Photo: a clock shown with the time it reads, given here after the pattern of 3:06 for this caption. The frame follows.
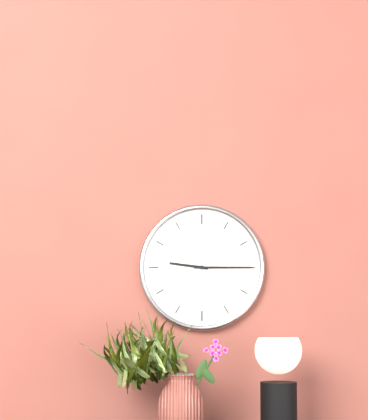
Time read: 9:15
